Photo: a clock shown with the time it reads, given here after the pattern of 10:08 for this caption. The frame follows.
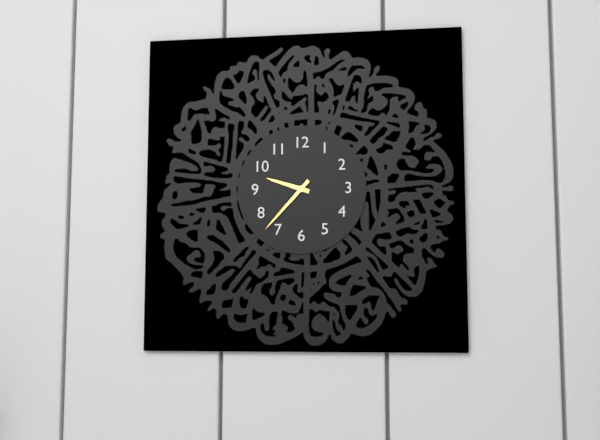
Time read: 9:37
